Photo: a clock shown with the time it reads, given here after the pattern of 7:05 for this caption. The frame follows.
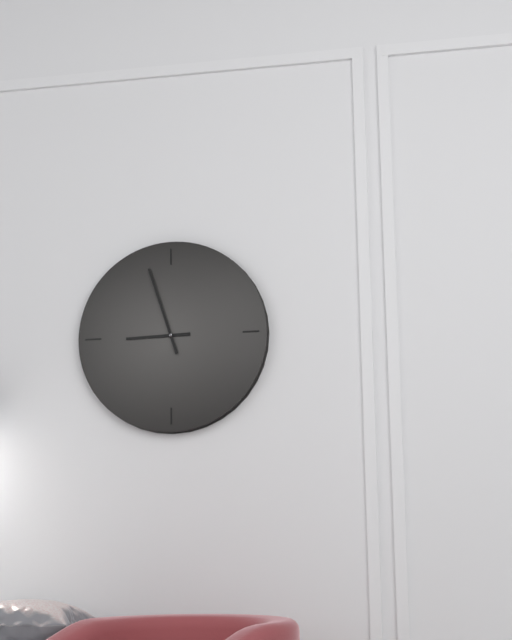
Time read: 8:57
